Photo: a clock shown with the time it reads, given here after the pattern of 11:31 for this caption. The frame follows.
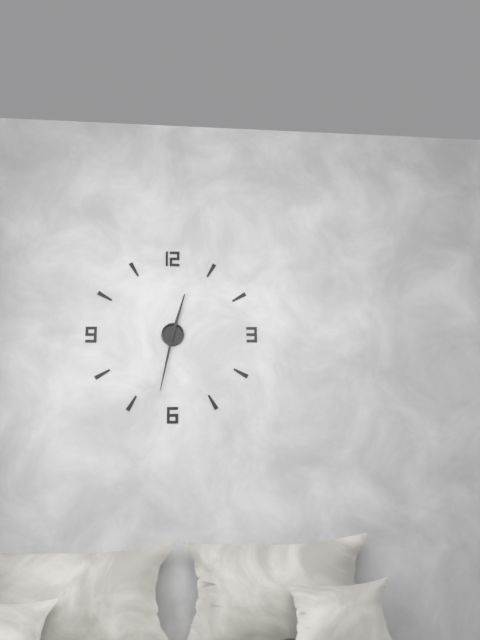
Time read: 12:32
